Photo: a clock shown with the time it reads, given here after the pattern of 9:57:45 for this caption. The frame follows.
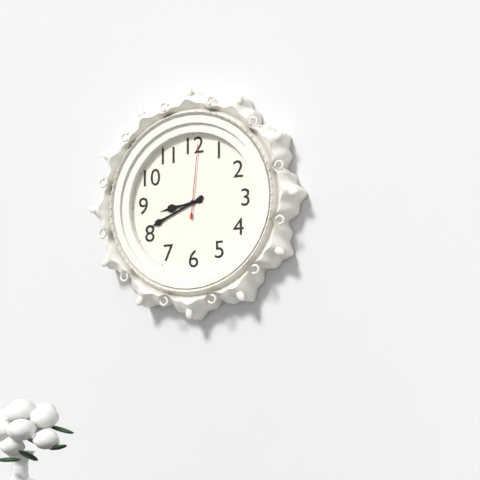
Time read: 8:41:01
